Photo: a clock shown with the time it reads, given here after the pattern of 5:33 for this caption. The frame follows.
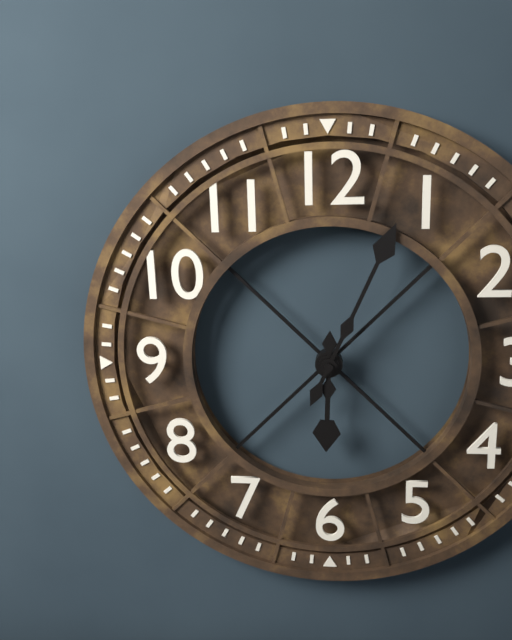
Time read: 6:04
